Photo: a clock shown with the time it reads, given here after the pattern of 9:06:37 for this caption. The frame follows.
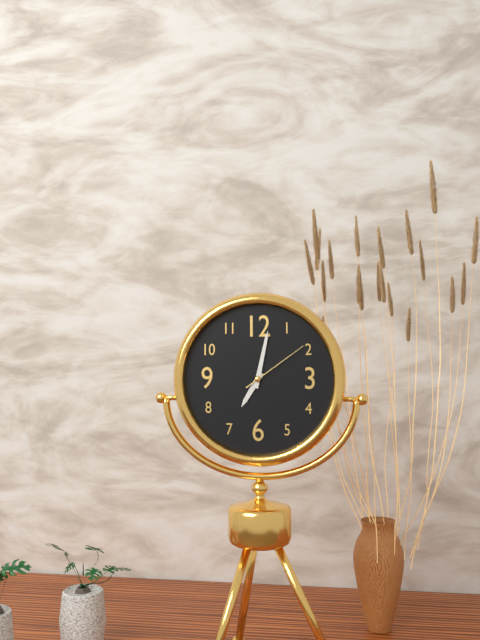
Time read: 7:02:09
